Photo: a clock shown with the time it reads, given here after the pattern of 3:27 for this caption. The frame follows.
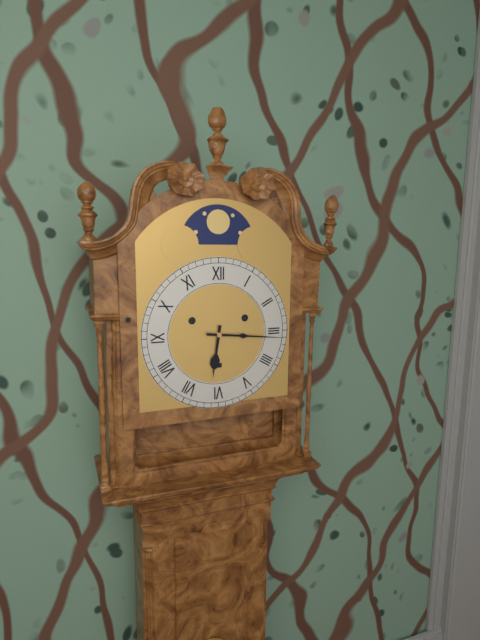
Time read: 6:16
